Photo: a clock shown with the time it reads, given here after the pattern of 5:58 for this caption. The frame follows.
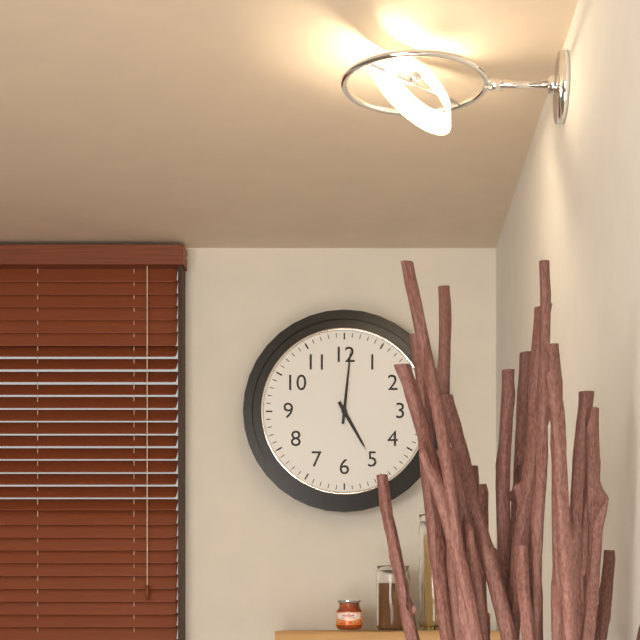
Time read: 5:01
